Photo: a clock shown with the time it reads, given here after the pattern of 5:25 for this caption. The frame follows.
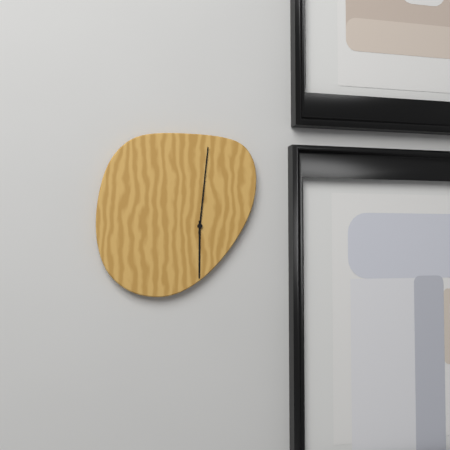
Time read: 6:01
